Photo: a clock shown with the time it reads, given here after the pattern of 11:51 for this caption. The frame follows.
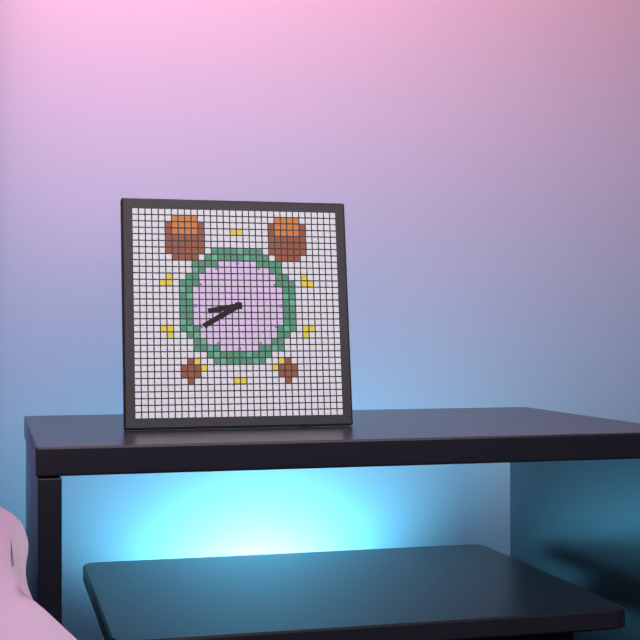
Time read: 8:40
